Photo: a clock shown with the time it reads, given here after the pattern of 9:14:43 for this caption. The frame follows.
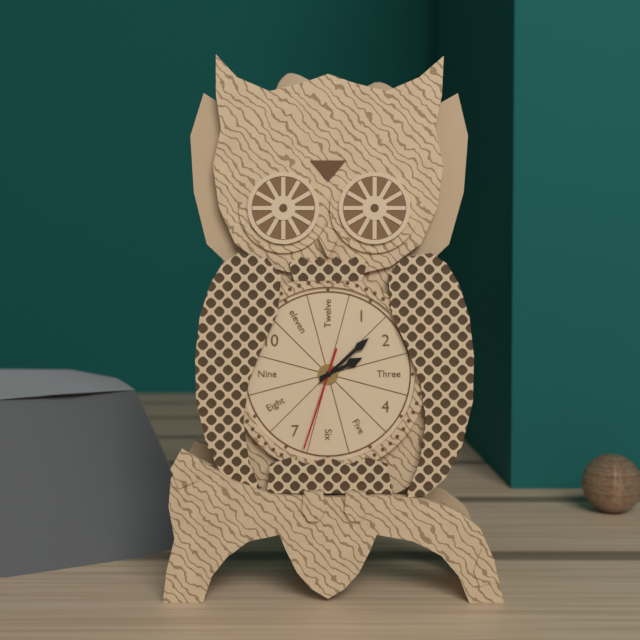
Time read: 2:08:33
